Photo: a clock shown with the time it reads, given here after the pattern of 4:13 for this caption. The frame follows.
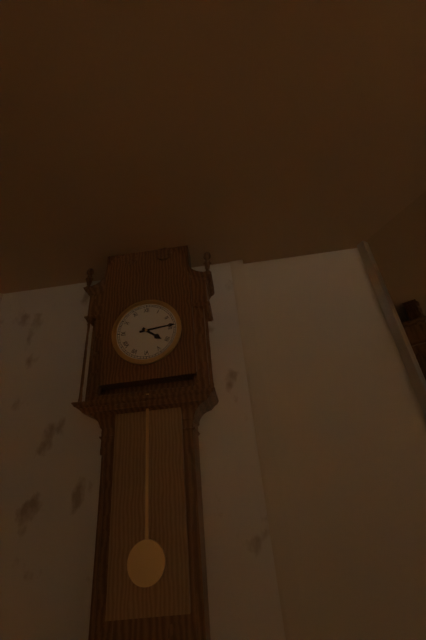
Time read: 4:14
